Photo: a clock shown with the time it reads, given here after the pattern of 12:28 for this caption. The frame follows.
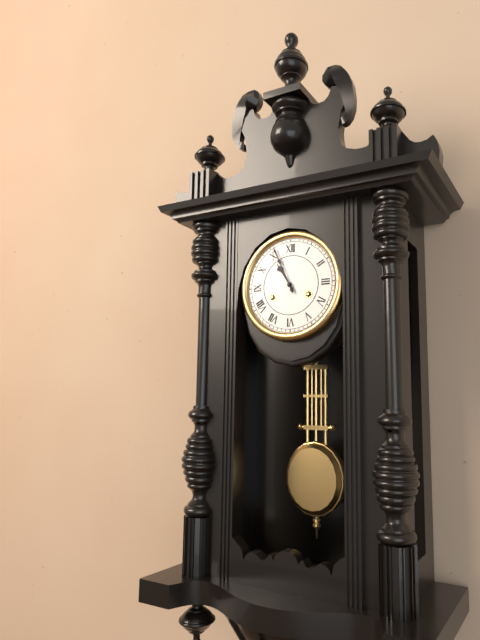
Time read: 10:56
